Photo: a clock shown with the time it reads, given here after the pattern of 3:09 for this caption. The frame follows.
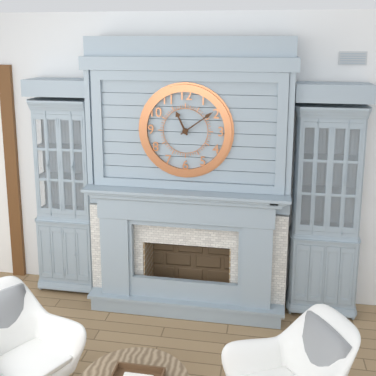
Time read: 11:09
